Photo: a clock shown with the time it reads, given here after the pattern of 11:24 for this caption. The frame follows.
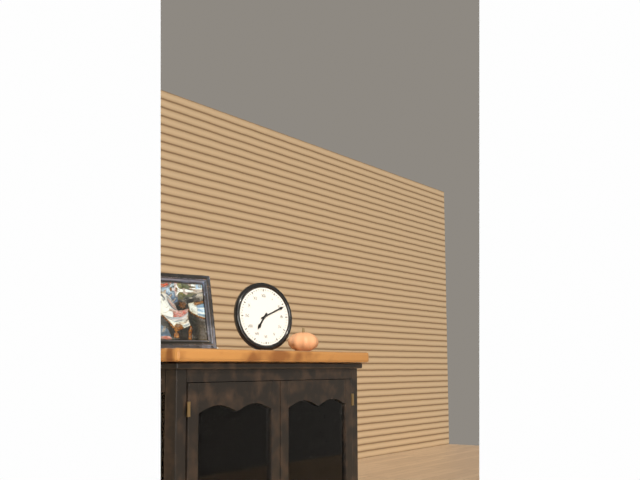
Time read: 7:11
